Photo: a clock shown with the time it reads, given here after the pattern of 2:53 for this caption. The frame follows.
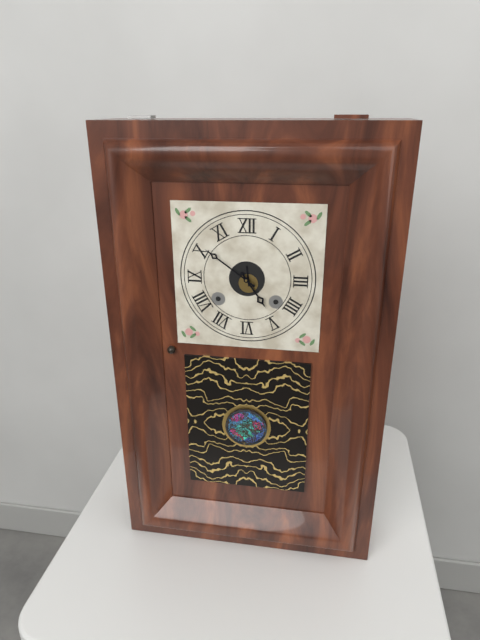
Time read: 4:51
